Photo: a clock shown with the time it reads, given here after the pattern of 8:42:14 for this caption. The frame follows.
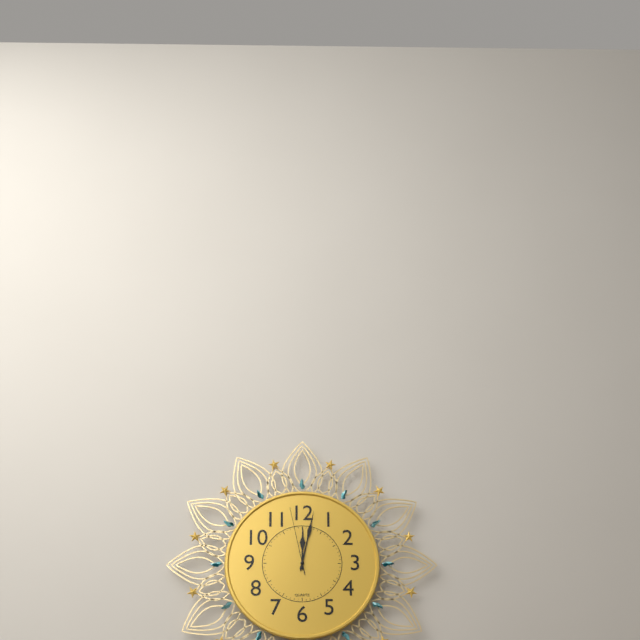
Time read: 12:02:58
